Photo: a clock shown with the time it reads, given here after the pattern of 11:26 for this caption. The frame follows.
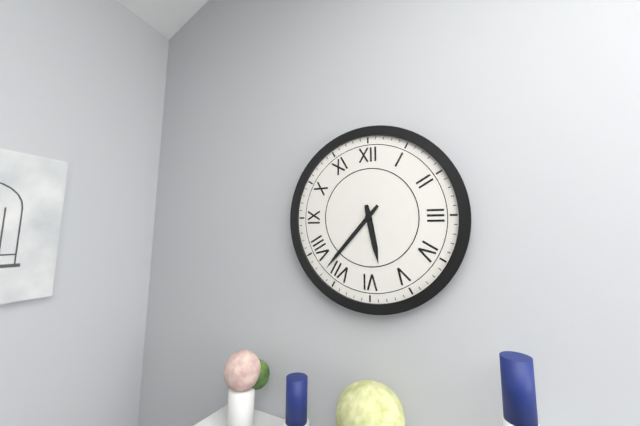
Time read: 5:37
